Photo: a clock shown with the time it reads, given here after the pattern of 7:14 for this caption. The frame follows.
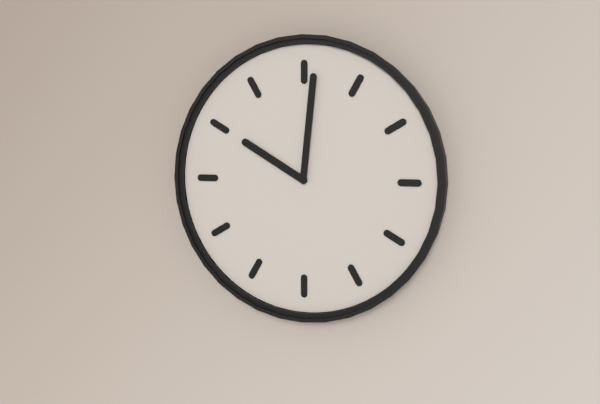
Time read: 10:01
